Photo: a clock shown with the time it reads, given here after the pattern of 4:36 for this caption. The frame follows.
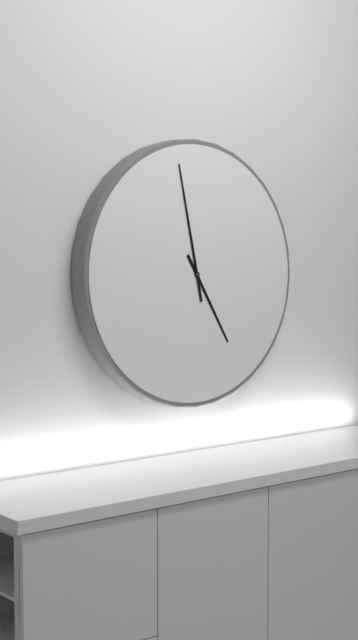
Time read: 4:58
